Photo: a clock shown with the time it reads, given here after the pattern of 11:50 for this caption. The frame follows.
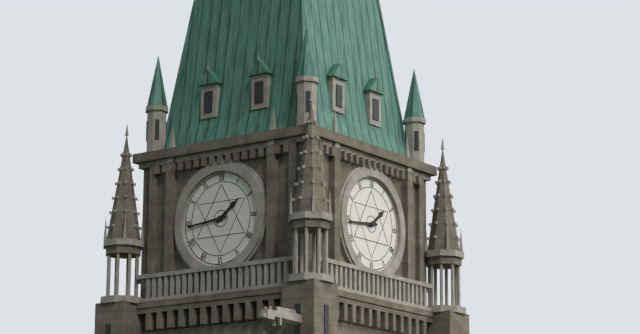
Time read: 1:44
